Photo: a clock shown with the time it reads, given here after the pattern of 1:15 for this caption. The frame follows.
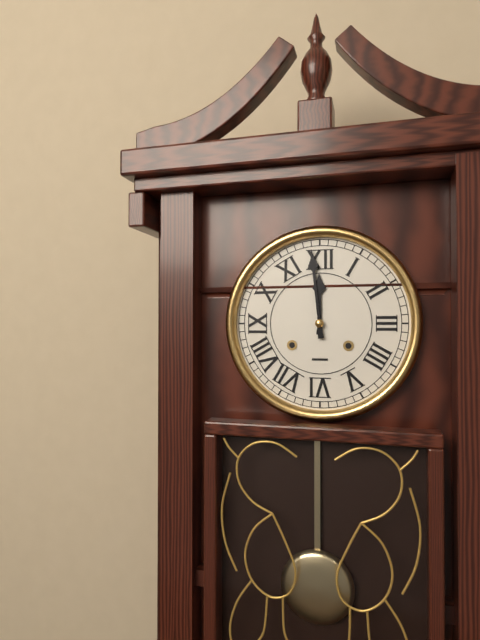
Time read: 11:59
